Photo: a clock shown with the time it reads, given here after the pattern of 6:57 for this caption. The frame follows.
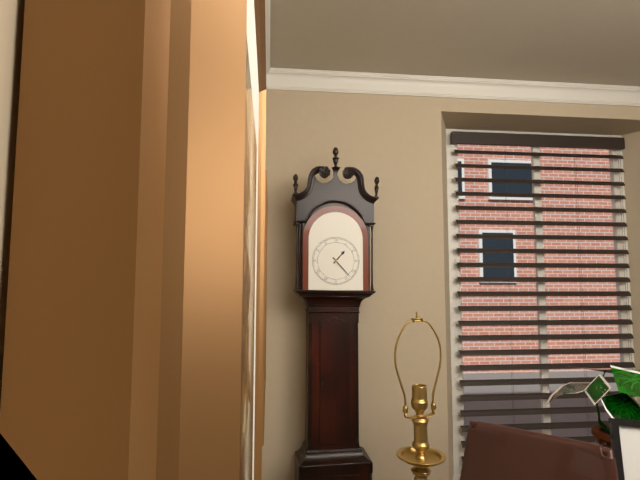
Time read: 1:23
